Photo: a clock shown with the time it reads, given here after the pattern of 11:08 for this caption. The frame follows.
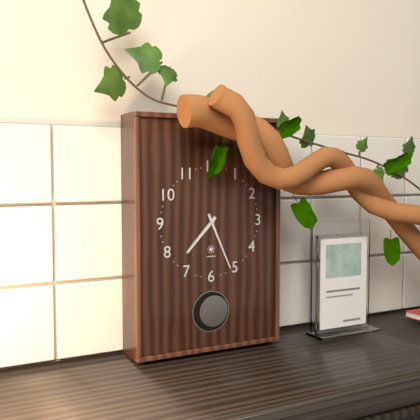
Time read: 7:26
